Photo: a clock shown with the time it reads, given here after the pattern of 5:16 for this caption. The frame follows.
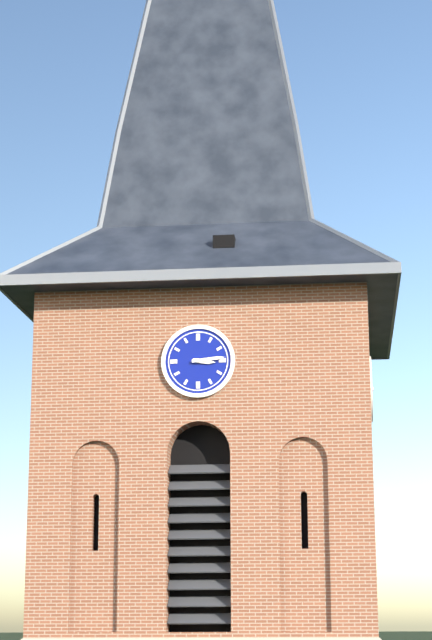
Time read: 3:14
